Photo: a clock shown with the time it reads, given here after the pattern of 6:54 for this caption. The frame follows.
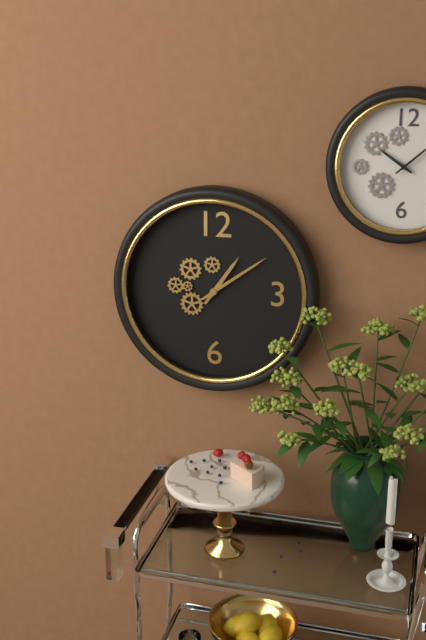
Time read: 1:09
